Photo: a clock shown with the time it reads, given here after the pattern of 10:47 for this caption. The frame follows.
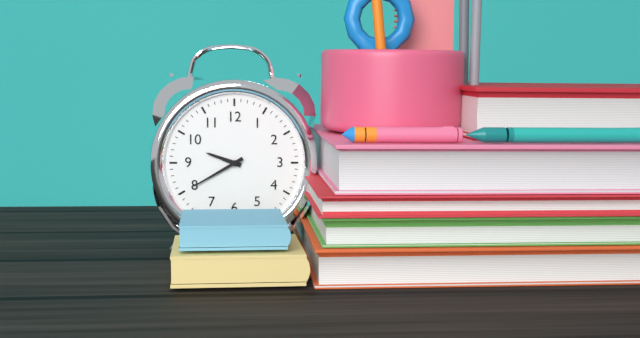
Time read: 9:40
